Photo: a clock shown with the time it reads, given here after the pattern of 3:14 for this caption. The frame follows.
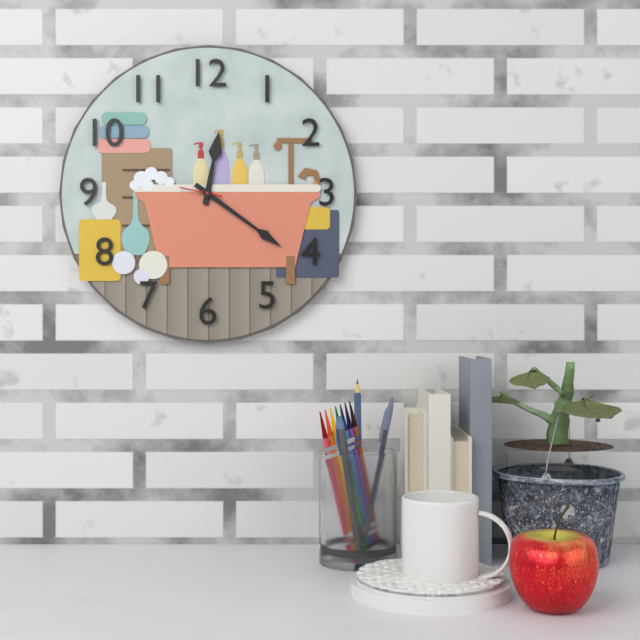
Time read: 12:21
